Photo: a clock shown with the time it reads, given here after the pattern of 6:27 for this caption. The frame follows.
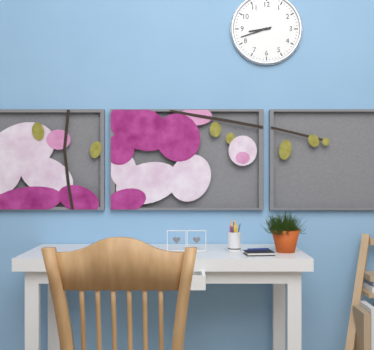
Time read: 8:42
